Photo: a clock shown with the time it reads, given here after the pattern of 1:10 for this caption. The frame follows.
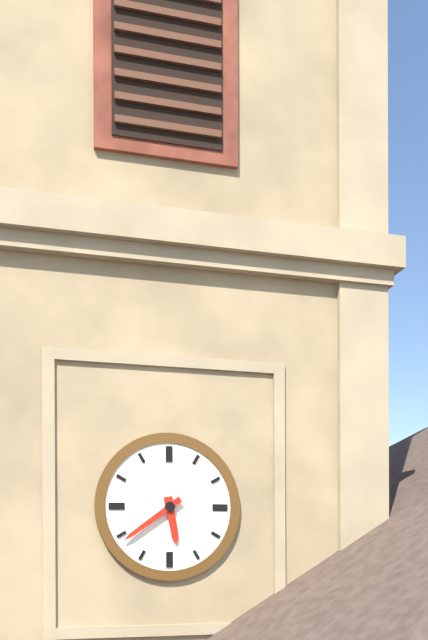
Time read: 5:39
